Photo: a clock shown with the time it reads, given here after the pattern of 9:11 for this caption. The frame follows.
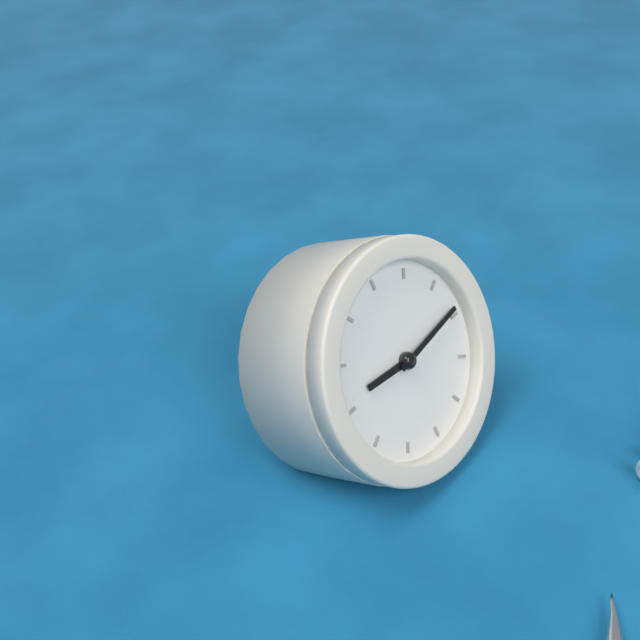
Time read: 9:14
